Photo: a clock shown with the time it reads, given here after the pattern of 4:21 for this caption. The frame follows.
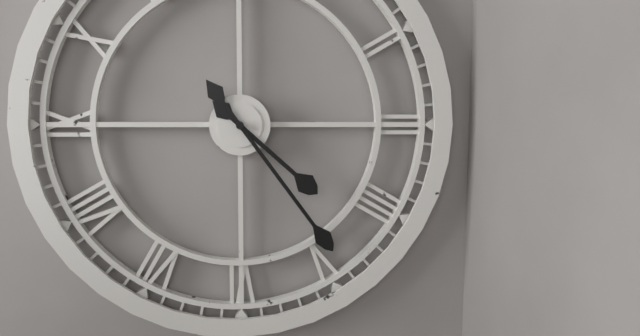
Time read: 4:24
